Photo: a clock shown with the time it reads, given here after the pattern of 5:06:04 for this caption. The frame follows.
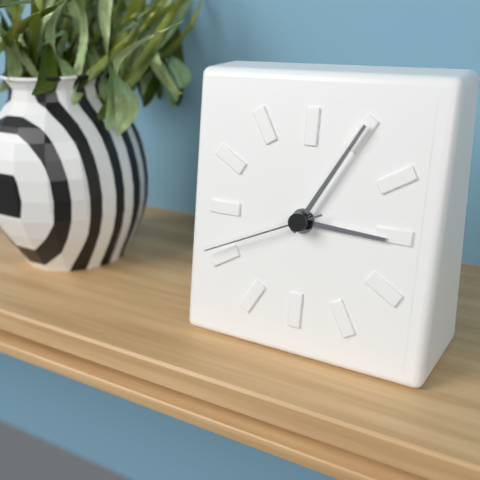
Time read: 3:05:41
